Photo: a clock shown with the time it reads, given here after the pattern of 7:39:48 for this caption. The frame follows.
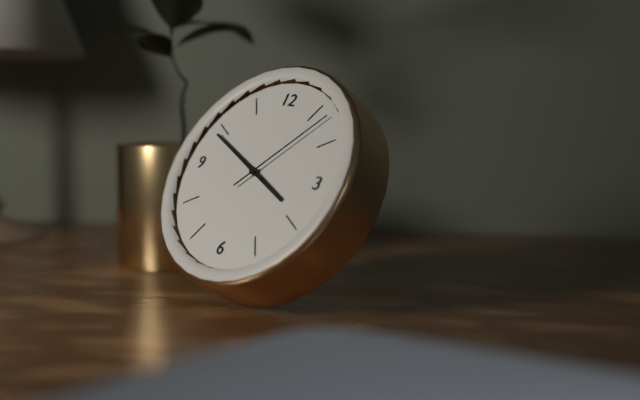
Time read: 3:49:07
